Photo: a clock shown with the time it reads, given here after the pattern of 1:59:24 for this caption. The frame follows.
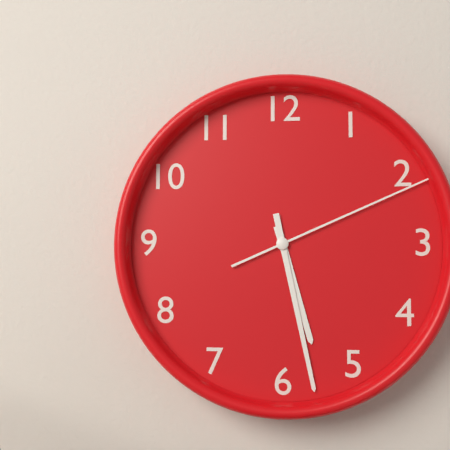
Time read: 5:28:11
